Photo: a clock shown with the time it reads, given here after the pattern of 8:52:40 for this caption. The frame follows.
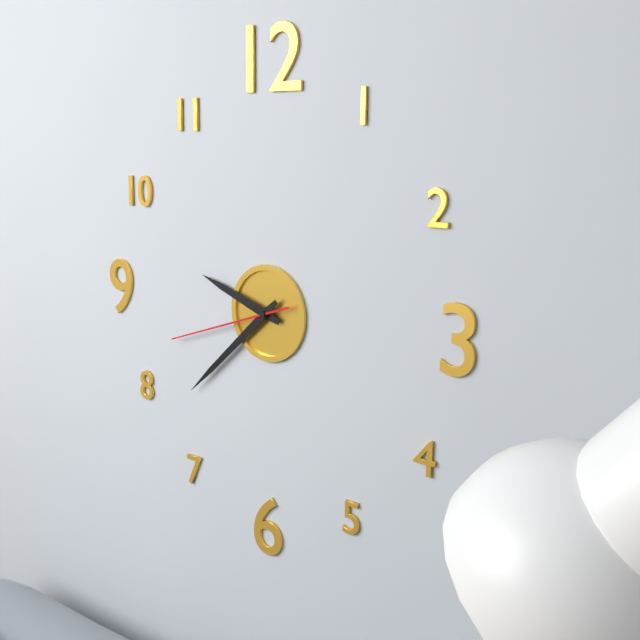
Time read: 9:38:42
